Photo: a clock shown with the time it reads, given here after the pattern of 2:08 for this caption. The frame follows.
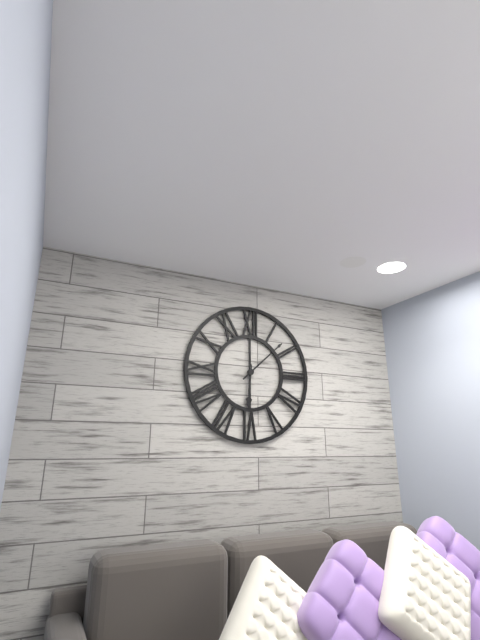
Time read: 6:08
